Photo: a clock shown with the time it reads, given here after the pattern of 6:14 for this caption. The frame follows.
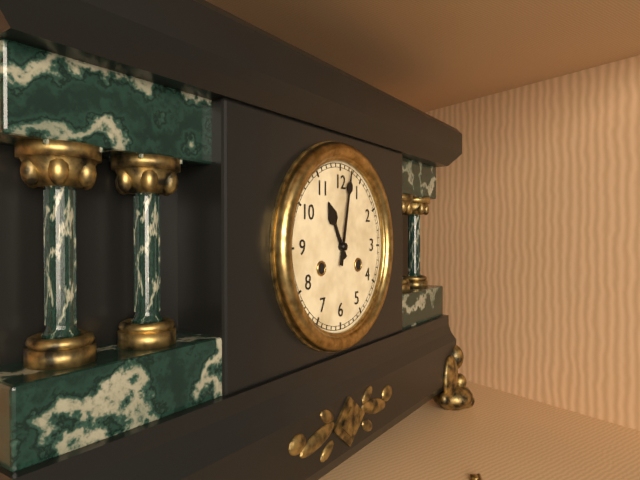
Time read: 11:02
